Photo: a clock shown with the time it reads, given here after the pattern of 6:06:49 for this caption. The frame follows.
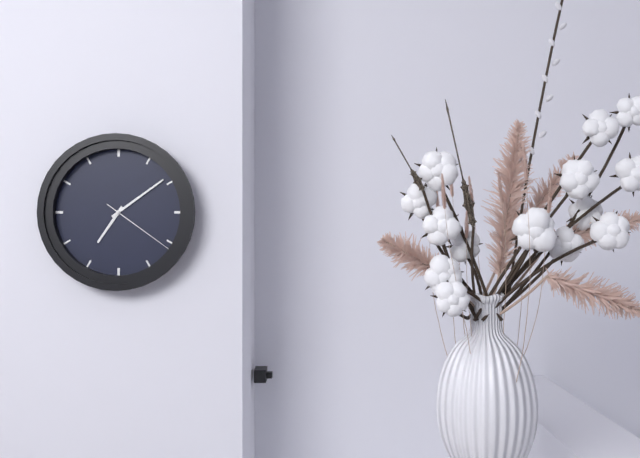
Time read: 7:09:21
